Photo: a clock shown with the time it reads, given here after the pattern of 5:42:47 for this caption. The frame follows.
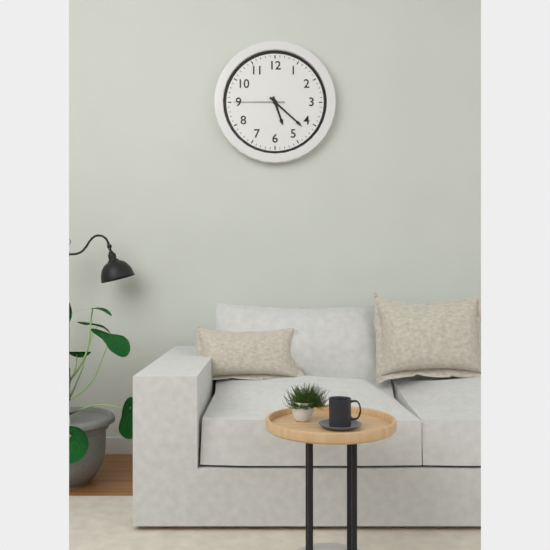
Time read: 5:22:45
